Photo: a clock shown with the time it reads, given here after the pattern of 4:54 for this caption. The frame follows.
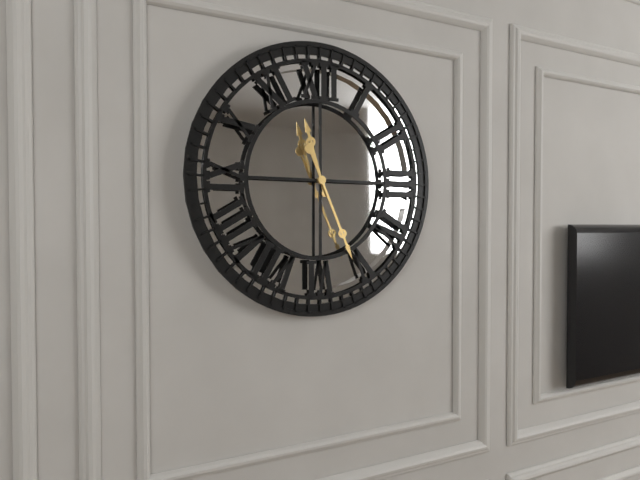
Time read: 11:26
